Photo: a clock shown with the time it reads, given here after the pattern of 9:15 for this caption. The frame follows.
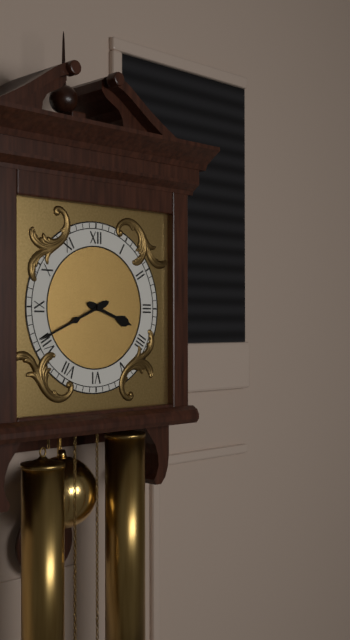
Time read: 3:41
